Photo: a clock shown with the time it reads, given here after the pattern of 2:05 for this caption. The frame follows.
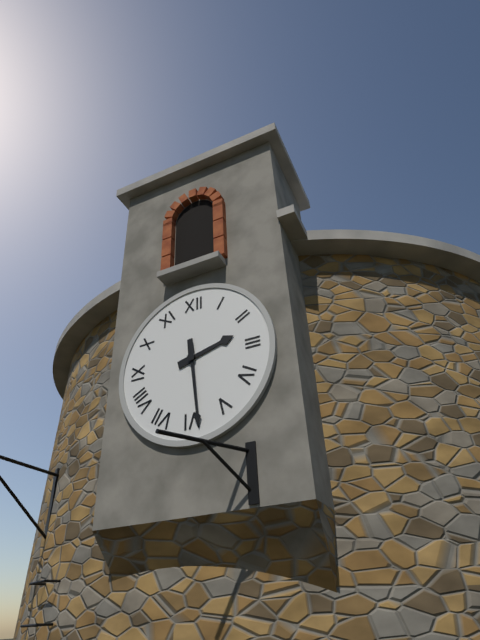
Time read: 2:29
